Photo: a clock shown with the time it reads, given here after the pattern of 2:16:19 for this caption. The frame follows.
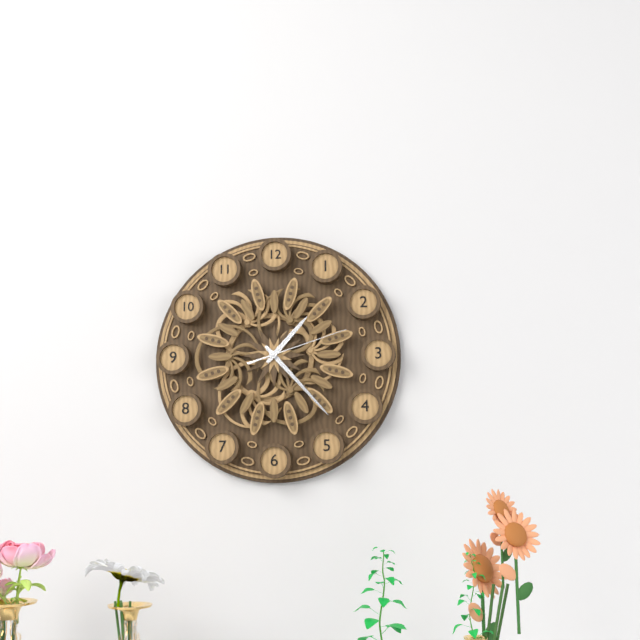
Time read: 1:23:12
